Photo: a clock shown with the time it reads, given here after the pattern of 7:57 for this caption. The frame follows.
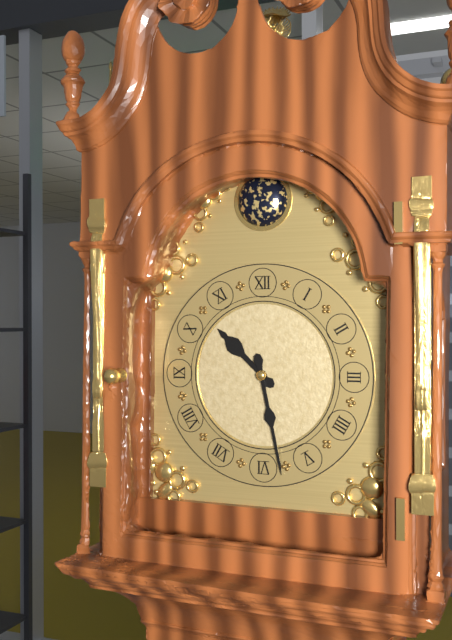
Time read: 10:28
